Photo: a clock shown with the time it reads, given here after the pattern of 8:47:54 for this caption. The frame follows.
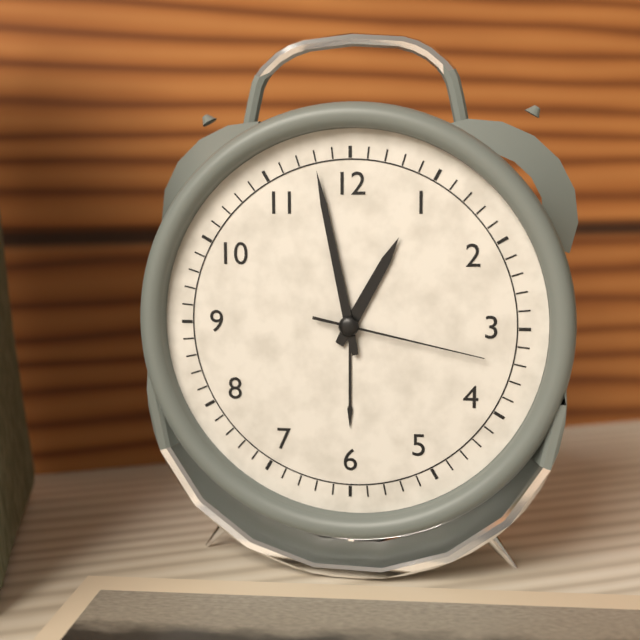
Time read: 12:58:17
